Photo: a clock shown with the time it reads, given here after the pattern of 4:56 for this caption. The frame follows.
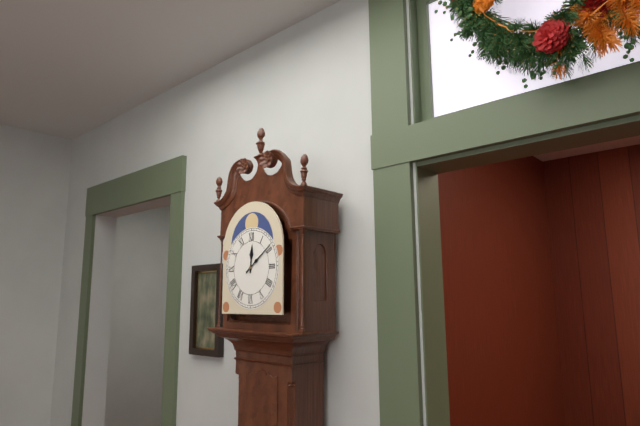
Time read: 12:09
